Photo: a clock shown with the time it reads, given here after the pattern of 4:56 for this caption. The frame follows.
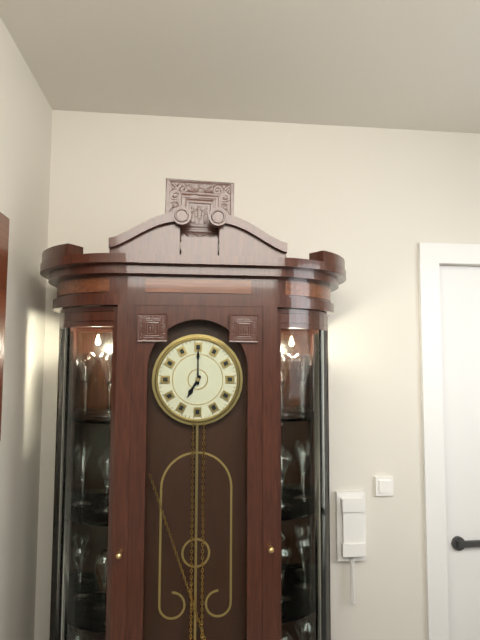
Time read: 7:00
